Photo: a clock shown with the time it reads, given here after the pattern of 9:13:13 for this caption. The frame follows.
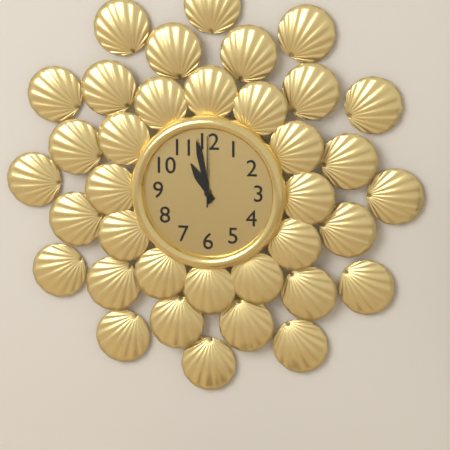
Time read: 10:58:00
